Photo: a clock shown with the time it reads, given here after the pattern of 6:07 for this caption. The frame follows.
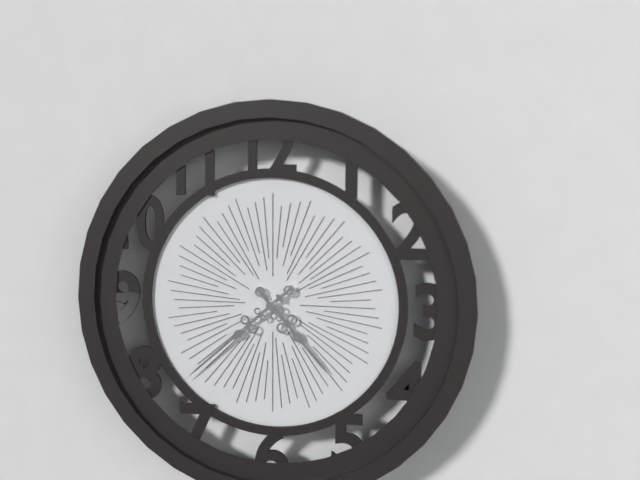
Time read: 4:38
